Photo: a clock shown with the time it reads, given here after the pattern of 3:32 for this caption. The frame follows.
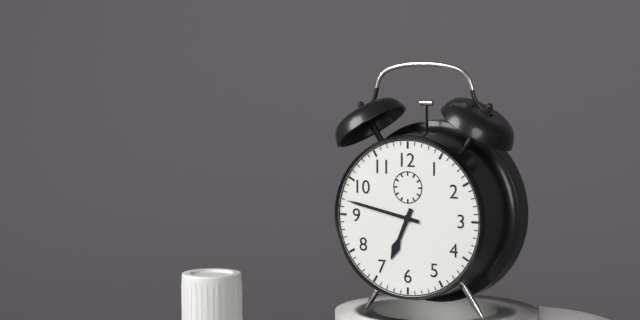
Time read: 6:47
